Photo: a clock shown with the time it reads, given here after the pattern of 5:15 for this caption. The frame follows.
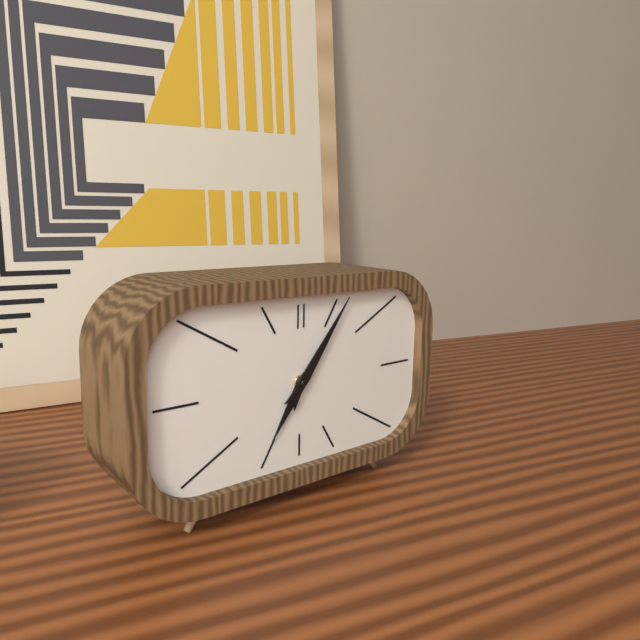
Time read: 7:06
